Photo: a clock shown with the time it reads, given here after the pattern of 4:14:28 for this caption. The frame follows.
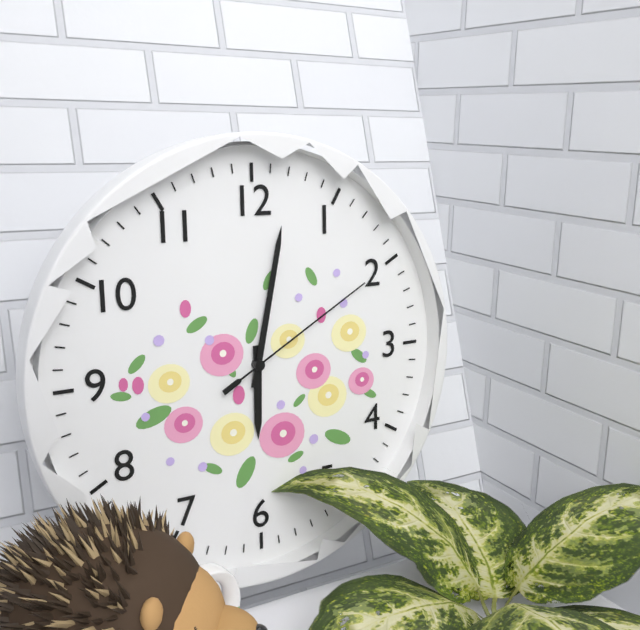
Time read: 6:02:10
